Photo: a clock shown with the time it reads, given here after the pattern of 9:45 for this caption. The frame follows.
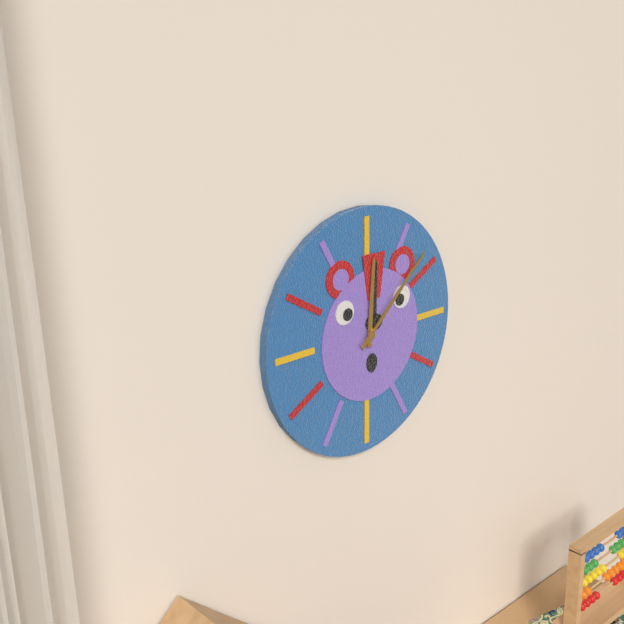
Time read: 12:08
